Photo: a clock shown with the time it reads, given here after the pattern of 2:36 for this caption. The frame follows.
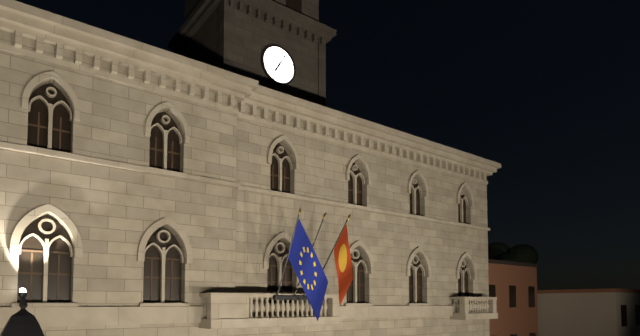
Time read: 7:05
